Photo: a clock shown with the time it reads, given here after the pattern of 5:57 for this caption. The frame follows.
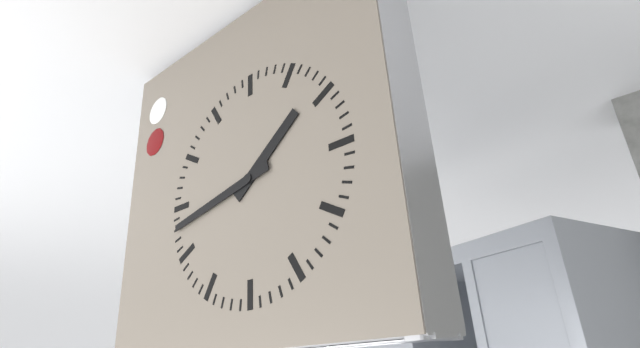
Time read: 1:43
